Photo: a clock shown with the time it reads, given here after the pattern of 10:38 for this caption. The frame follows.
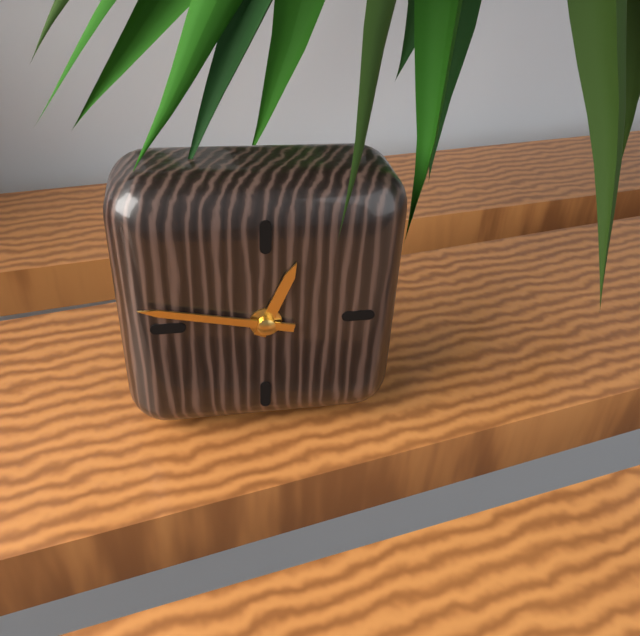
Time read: 12:47
